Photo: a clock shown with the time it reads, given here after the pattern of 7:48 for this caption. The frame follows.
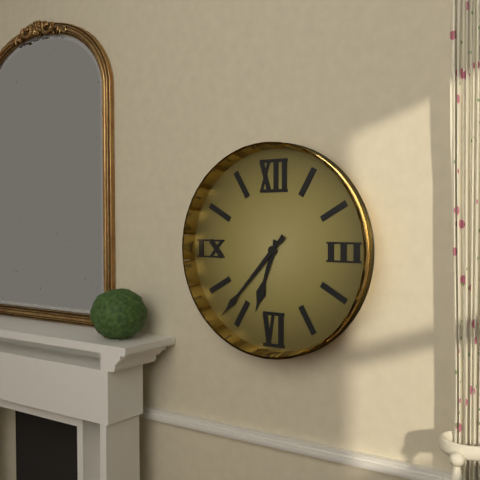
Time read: 6:37
